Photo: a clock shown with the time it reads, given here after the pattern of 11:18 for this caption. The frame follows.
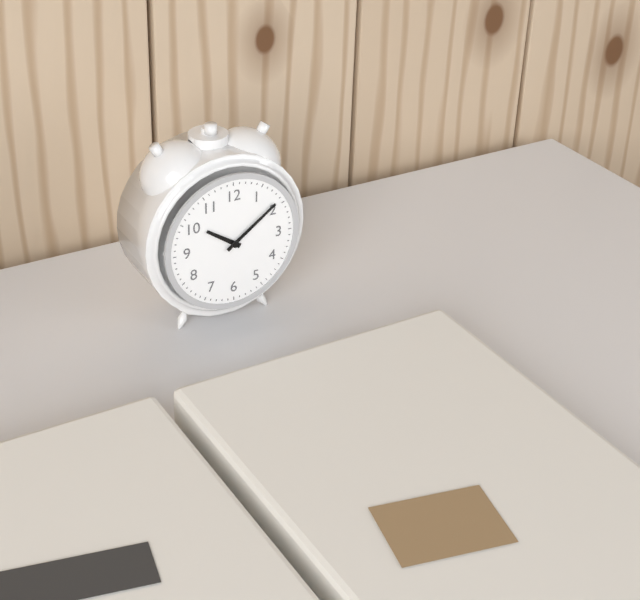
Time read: 10:09
